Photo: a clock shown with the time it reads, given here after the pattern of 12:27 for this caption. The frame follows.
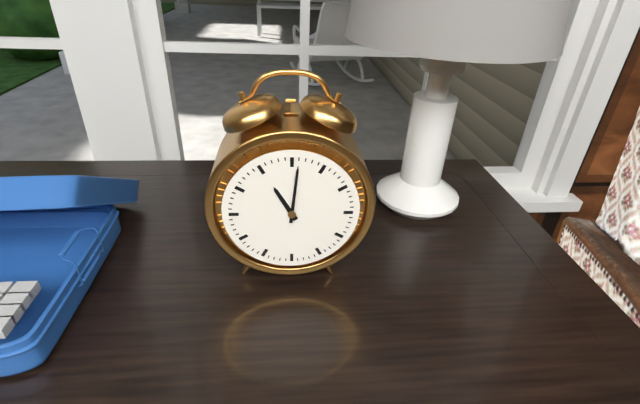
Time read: 11:01
